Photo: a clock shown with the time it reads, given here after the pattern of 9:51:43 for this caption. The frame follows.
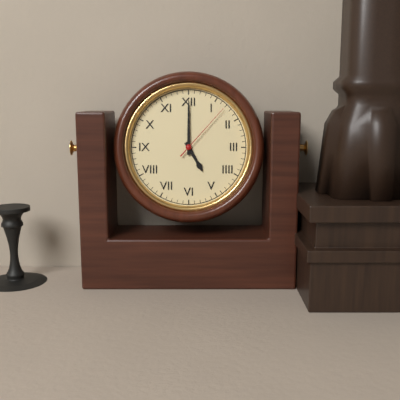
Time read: 5:00:07
